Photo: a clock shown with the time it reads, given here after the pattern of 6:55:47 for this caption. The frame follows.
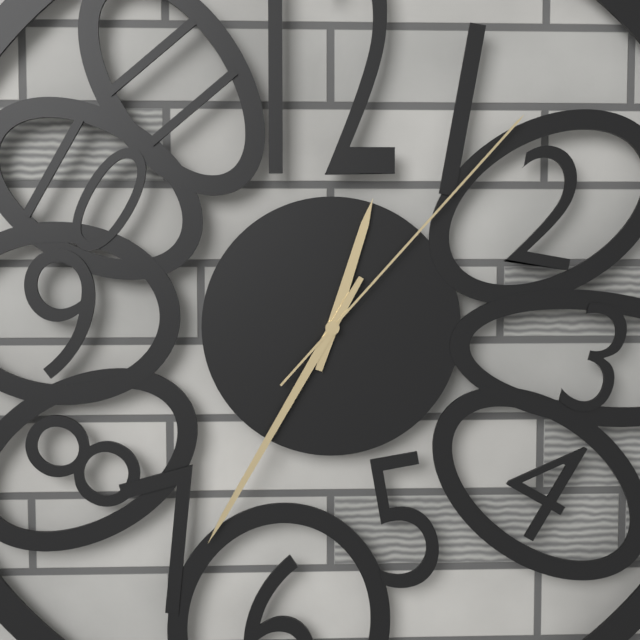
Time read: 12:35:07
